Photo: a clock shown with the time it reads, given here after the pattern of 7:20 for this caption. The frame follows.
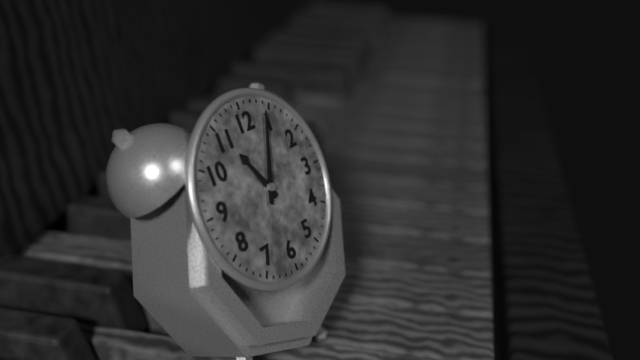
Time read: 11:04
